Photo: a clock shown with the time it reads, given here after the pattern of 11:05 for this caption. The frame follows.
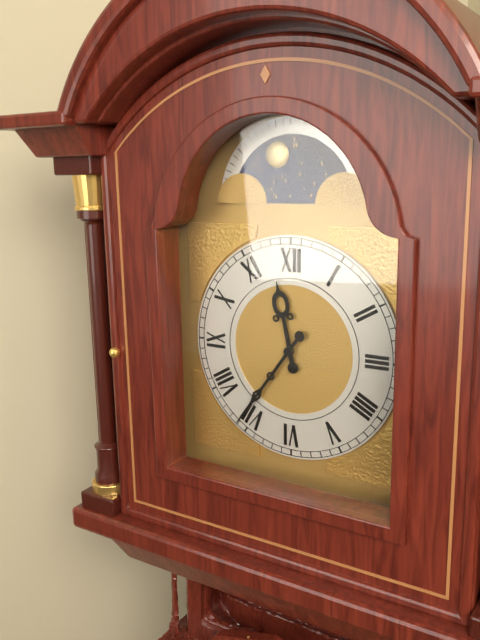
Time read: 11:36
